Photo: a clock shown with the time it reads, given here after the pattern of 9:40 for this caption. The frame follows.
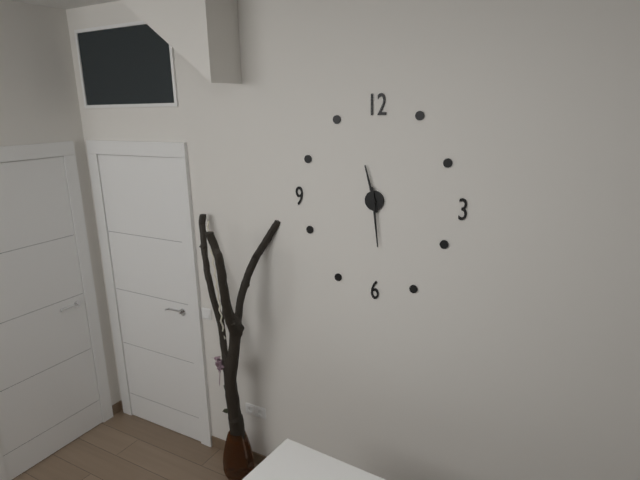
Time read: 11:29
